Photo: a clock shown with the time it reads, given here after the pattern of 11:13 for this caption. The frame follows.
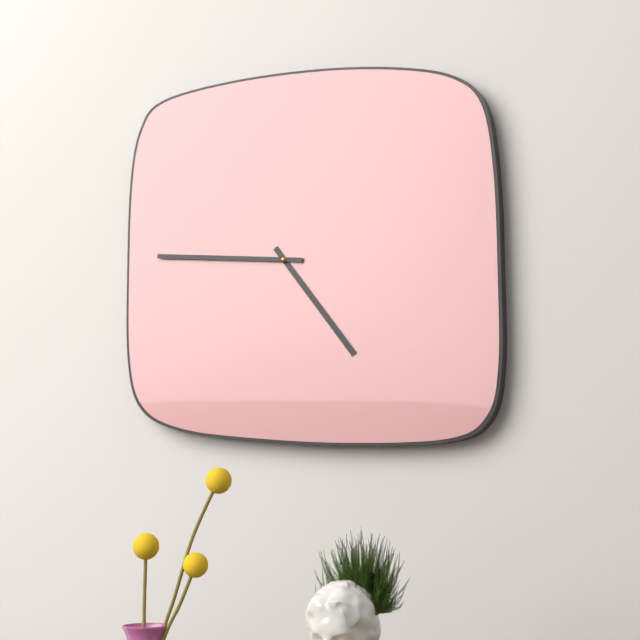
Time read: 4:46
